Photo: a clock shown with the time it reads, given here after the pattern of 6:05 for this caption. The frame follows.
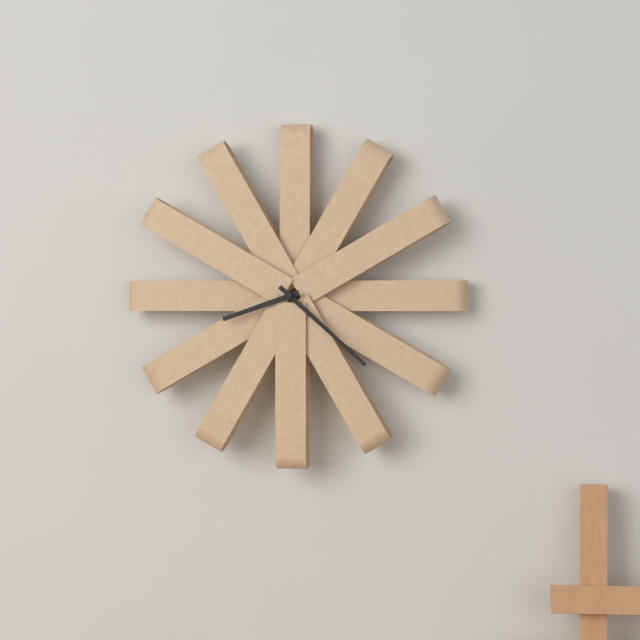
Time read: 8:22
